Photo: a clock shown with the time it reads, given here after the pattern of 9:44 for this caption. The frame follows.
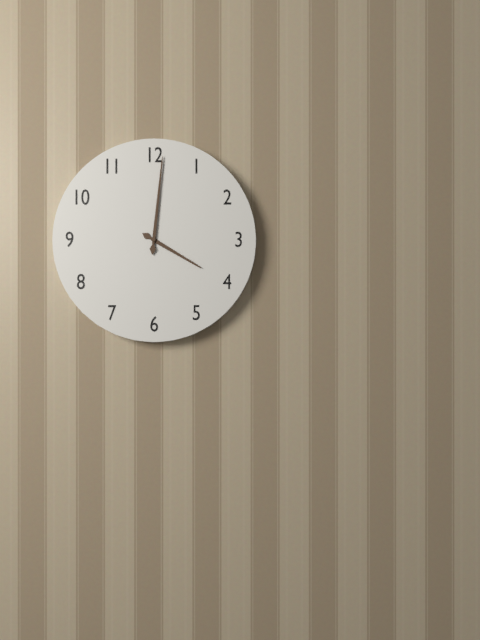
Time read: 4:01
